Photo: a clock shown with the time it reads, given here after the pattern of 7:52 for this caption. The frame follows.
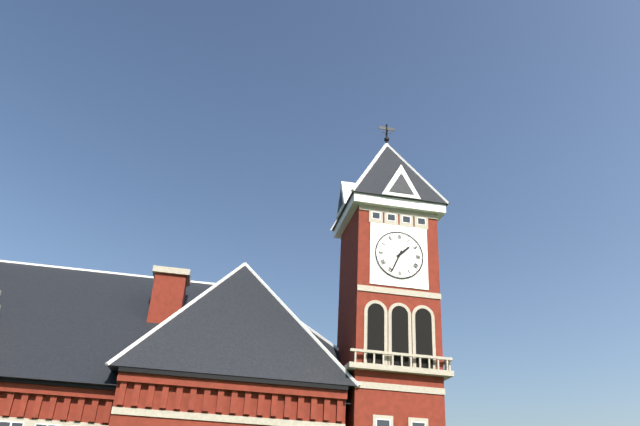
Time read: 1:34
